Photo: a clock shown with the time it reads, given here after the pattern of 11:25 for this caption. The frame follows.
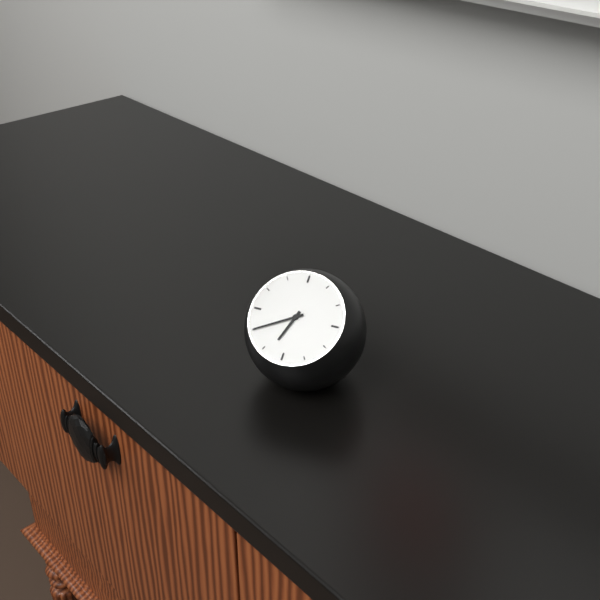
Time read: 6:40
